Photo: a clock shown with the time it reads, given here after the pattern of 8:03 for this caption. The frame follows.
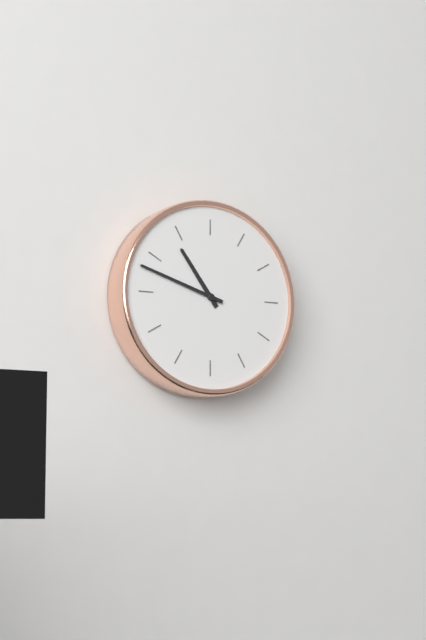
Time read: 10:48
